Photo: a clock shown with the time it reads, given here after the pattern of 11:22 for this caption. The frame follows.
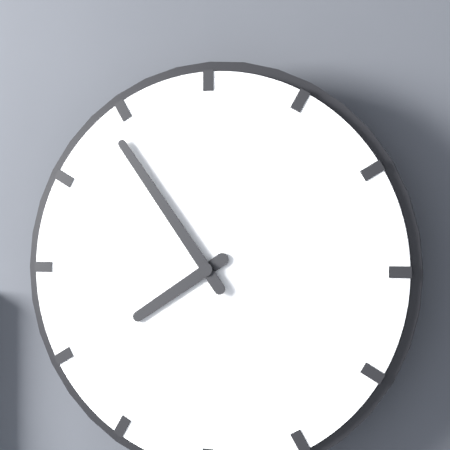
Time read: 7:54
